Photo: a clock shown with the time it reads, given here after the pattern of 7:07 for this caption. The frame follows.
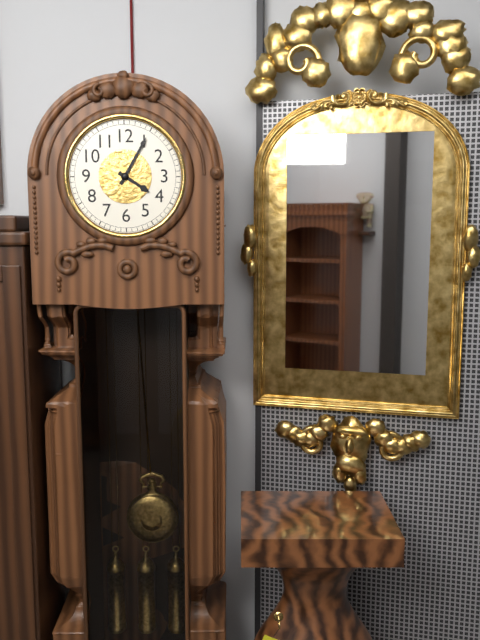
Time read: 4:05
